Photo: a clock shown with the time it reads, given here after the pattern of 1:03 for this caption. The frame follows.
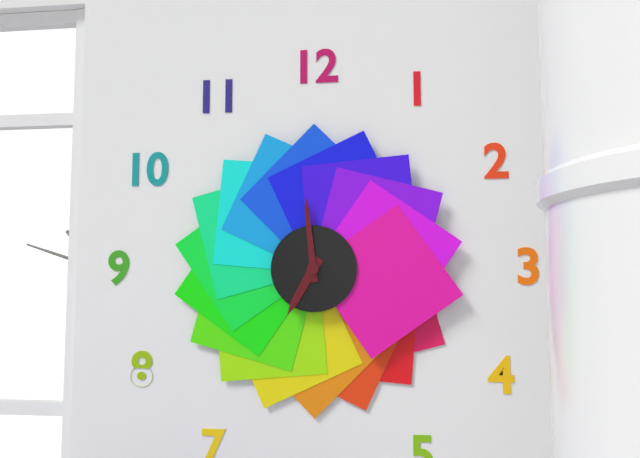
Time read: 6:59
